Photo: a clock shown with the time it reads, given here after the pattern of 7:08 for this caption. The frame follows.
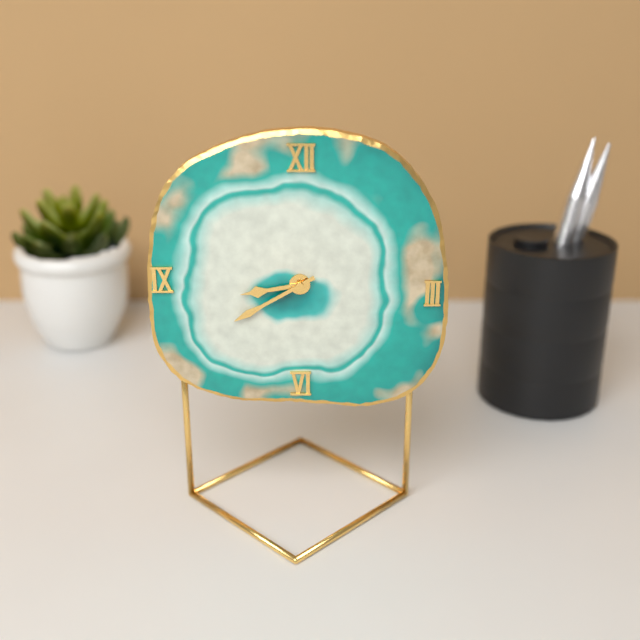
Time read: 8:40
